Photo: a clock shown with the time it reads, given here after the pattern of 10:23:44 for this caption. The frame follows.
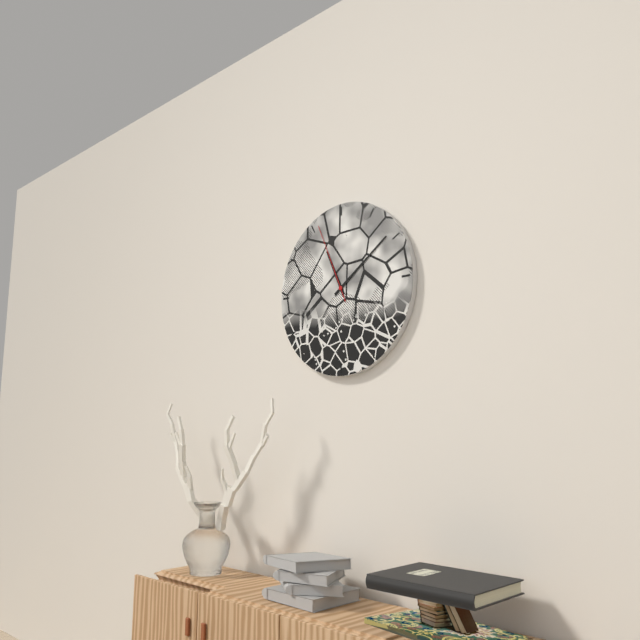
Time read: 11:09:56
